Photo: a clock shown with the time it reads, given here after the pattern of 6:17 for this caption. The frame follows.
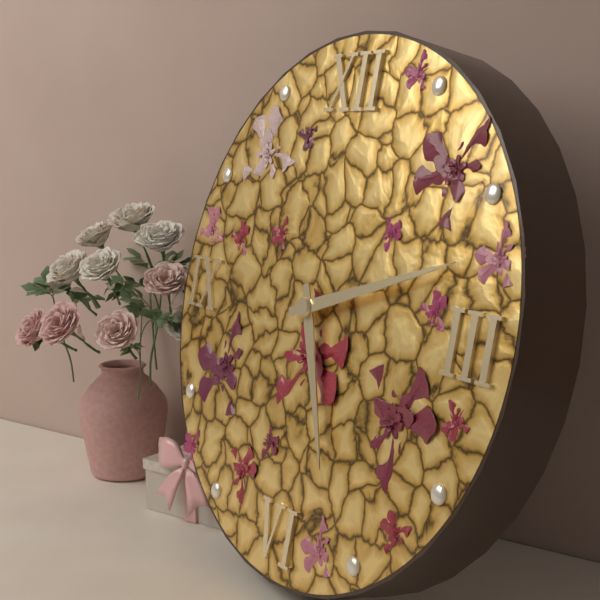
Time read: 5:12
